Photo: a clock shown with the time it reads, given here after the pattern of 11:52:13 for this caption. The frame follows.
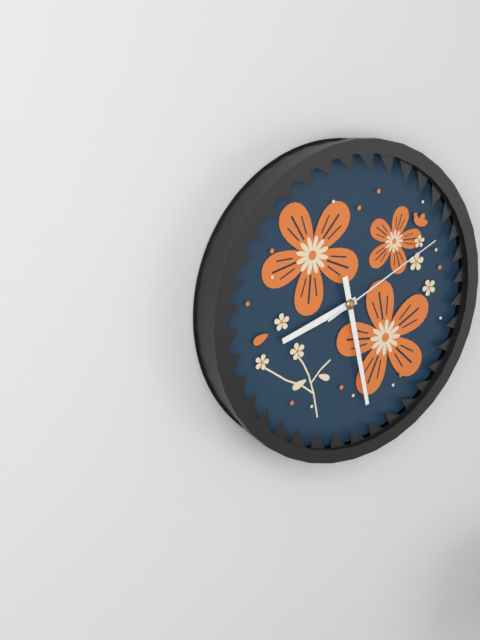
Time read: 8:28:11
